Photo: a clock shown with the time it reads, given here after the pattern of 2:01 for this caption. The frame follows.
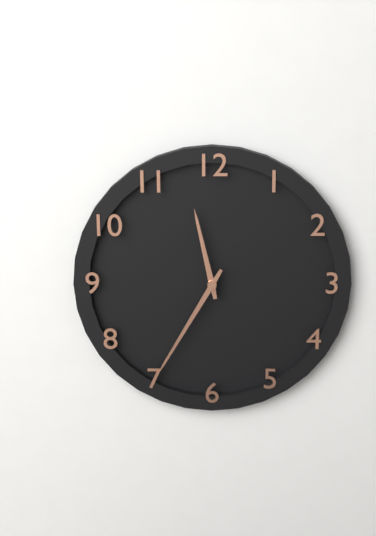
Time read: 11:35
